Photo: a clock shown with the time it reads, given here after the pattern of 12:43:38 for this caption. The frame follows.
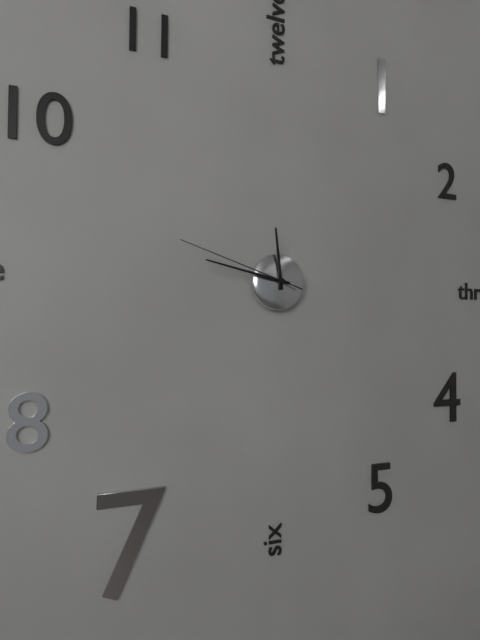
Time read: 11:47:48
